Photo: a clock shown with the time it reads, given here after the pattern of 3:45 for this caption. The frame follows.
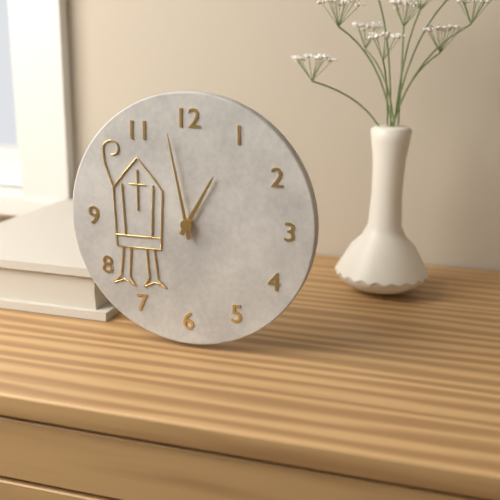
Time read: 12:58
